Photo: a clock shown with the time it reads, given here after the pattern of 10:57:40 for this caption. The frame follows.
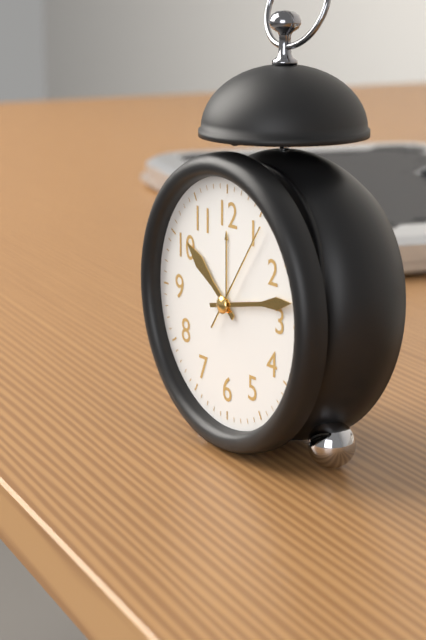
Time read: 10:13:06
